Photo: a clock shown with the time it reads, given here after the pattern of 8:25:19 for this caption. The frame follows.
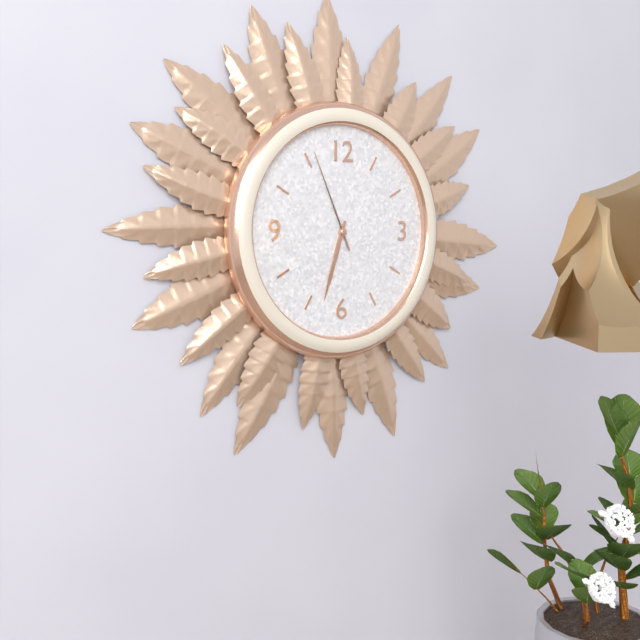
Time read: 6:33:56
